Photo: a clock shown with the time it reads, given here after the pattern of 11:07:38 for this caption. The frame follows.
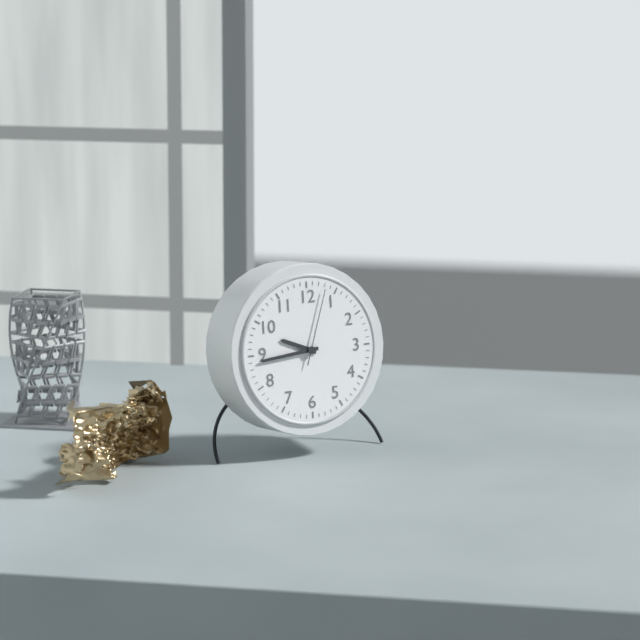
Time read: 9:44:03
